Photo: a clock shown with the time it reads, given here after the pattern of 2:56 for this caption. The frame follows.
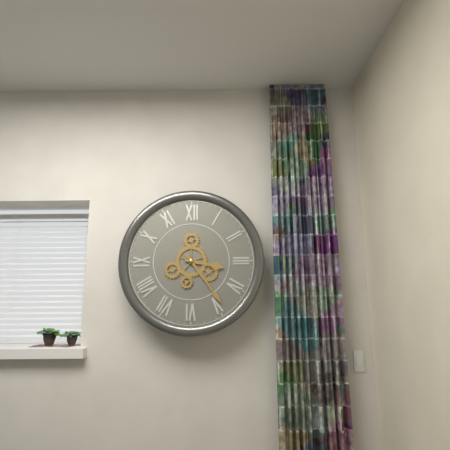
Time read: 3:24
